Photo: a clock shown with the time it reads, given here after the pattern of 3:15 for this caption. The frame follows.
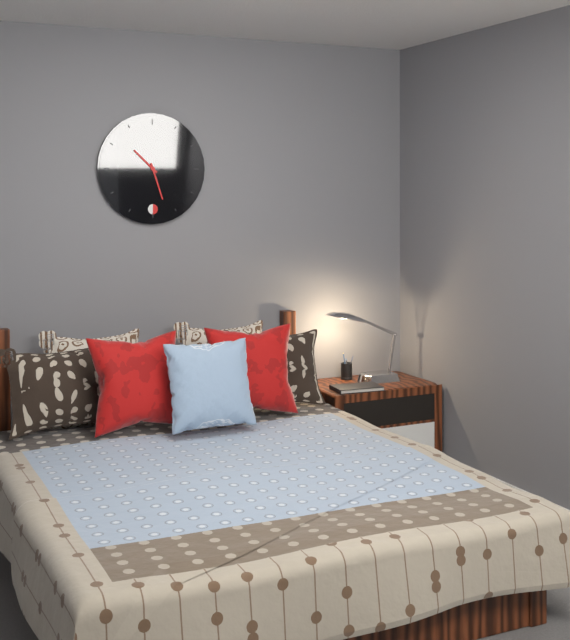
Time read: 10:27
